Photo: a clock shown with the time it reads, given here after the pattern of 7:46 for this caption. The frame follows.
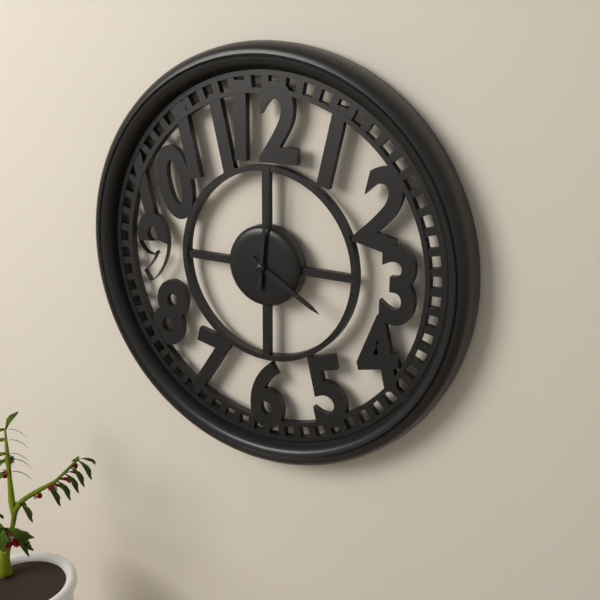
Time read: 4:01
